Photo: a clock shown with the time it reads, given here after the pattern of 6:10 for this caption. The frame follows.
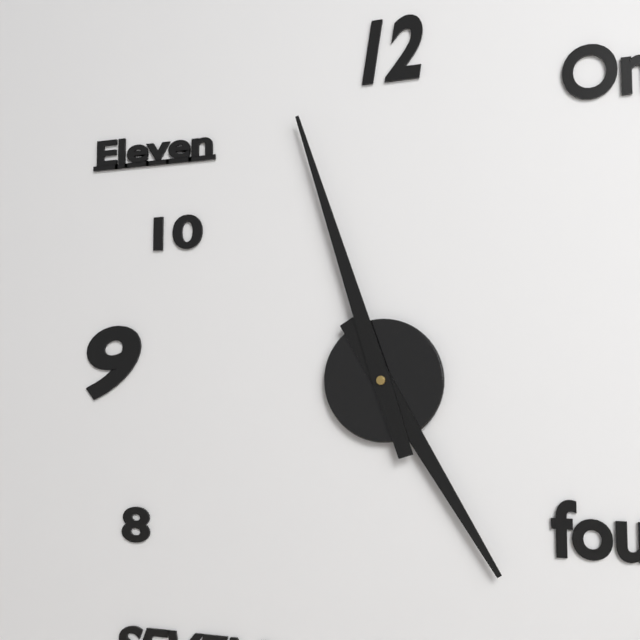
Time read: 4:57
